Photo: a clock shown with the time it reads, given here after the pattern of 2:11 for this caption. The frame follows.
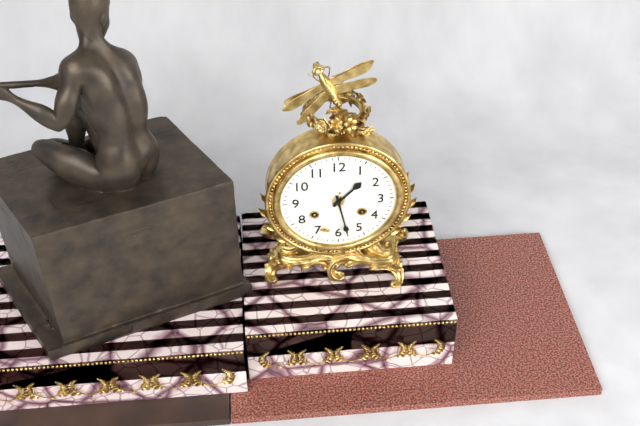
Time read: 1:28
